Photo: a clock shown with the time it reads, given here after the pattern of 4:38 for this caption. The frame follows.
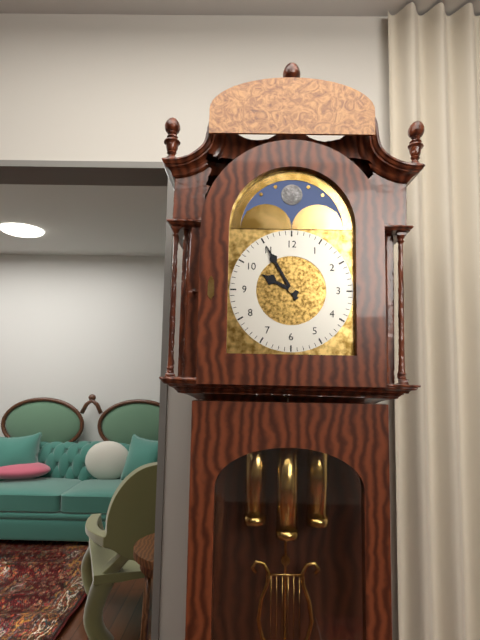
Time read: 9:55
